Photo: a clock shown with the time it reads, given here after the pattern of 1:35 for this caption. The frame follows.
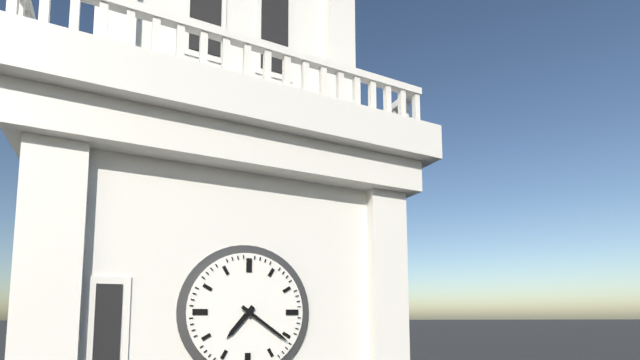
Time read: 7:21
